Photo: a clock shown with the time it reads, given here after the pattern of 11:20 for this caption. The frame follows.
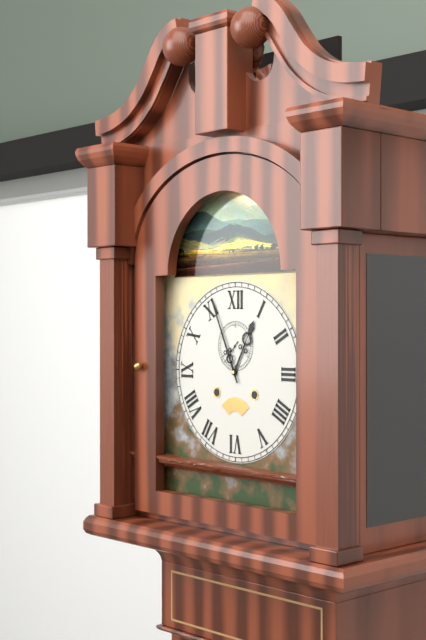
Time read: 12:56
